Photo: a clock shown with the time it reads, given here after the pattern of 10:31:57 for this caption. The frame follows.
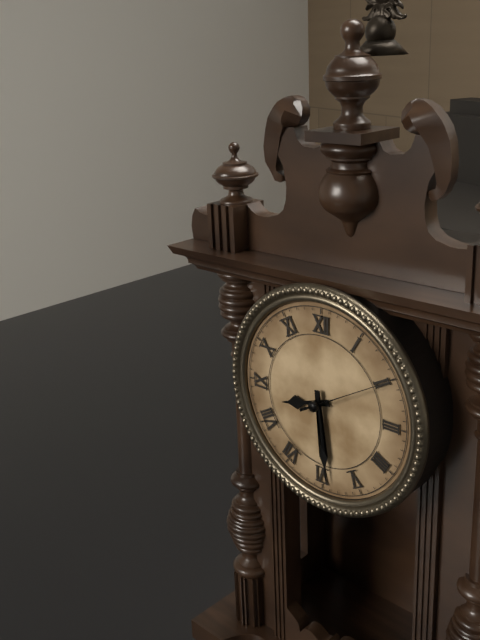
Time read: 8:29:10
